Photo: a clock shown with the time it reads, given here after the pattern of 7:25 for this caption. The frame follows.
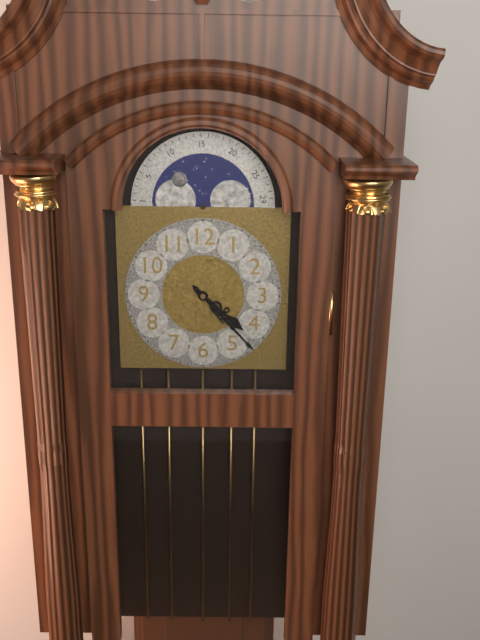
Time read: 4:23
